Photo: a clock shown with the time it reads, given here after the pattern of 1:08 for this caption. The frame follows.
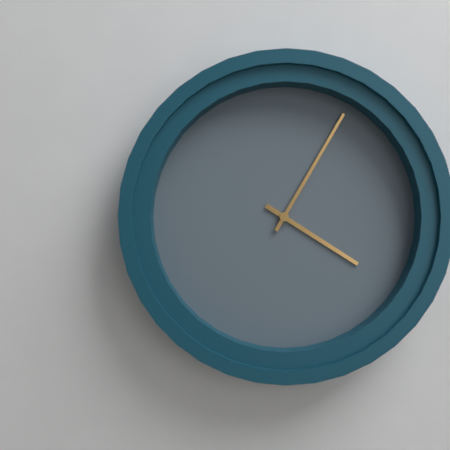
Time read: 4:05
